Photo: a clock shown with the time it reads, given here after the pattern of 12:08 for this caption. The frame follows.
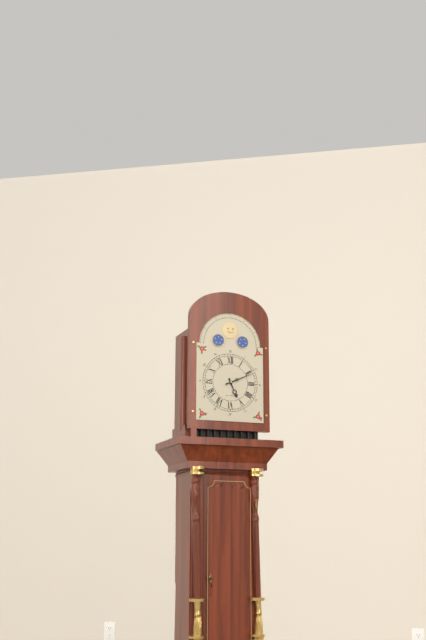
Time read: 5:11
